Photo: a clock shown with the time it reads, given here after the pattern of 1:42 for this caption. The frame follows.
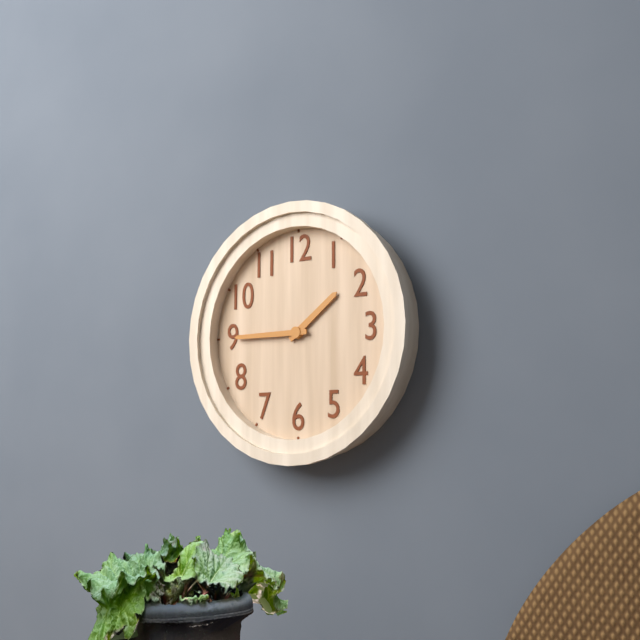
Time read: 1:45
